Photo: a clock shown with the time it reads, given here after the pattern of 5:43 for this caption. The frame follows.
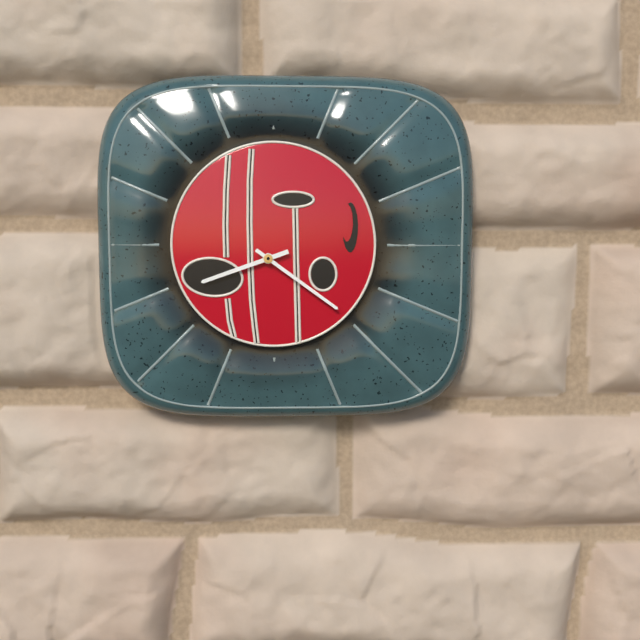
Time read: 8:21
